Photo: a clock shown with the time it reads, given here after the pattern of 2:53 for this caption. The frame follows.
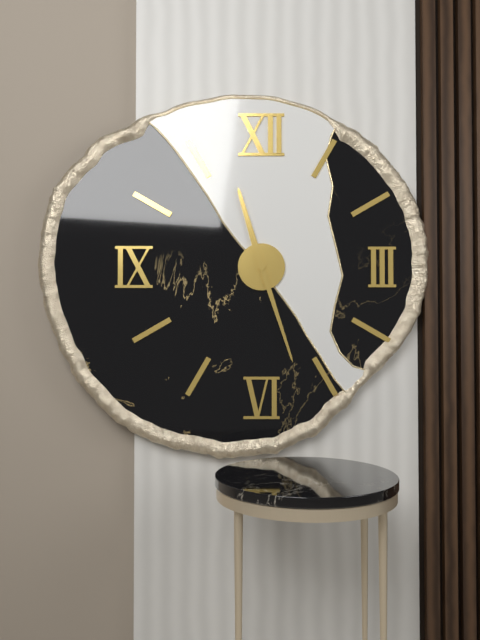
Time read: 11:27
